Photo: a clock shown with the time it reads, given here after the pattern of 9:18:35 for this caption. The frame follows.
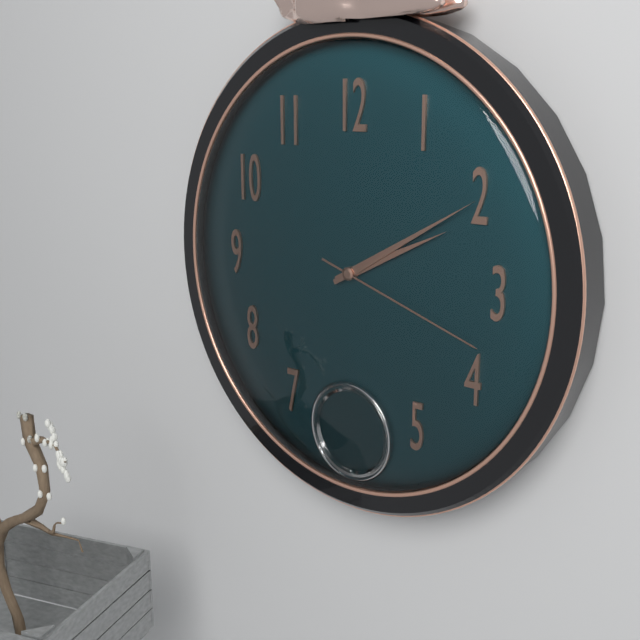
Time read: 2:10:18
